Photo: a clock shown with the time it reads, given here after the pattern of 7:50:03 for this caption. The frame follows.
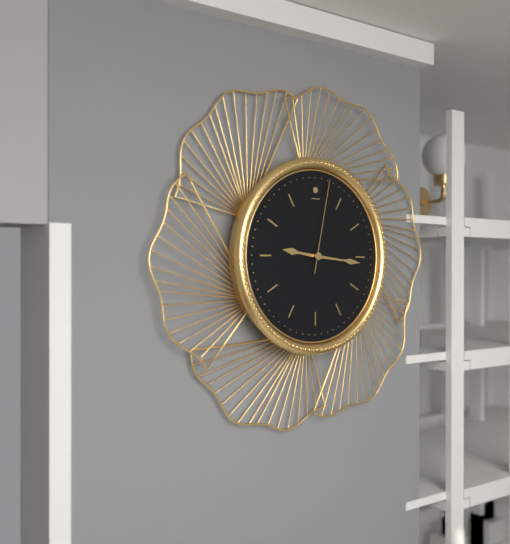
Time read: 9:16:02
